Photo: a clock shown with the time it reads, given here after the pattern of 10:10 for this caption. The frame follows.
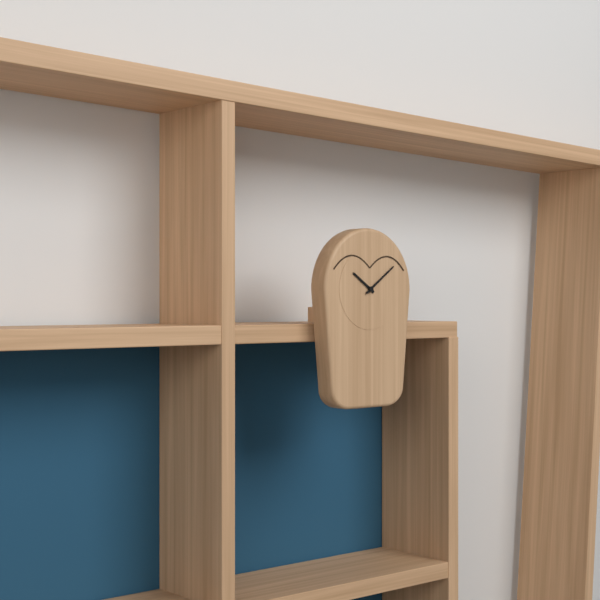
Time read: 10:09
